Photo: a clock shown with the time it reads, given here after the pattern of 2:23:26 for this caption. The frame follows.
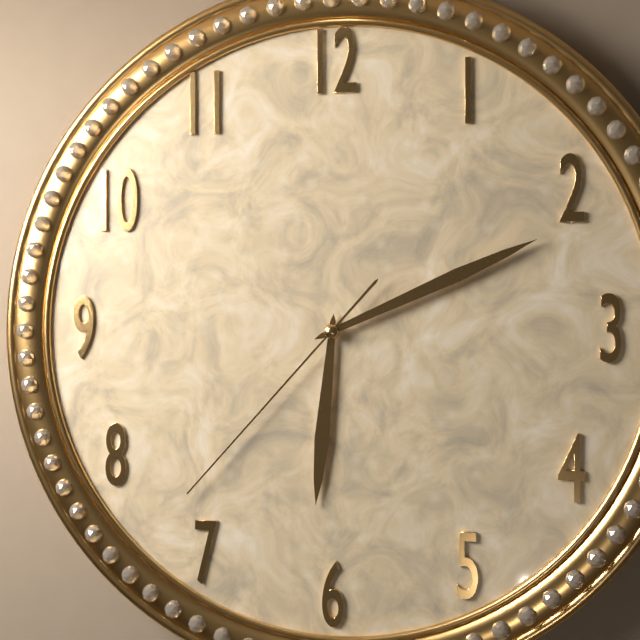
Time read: 6:11:37
